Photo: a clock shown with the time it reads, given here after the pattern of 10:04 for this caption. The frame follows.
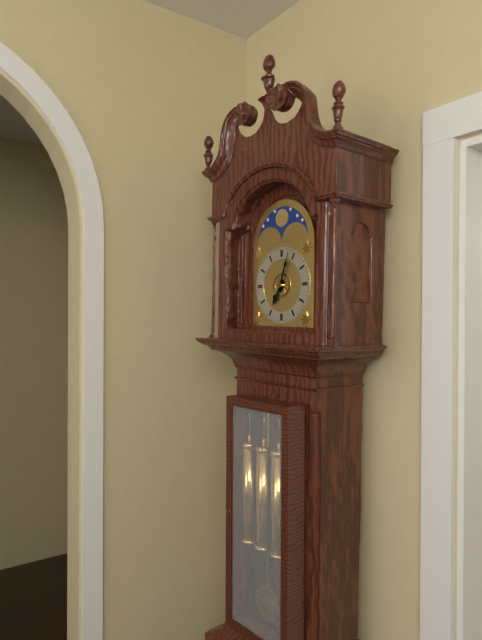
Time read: 7:03
